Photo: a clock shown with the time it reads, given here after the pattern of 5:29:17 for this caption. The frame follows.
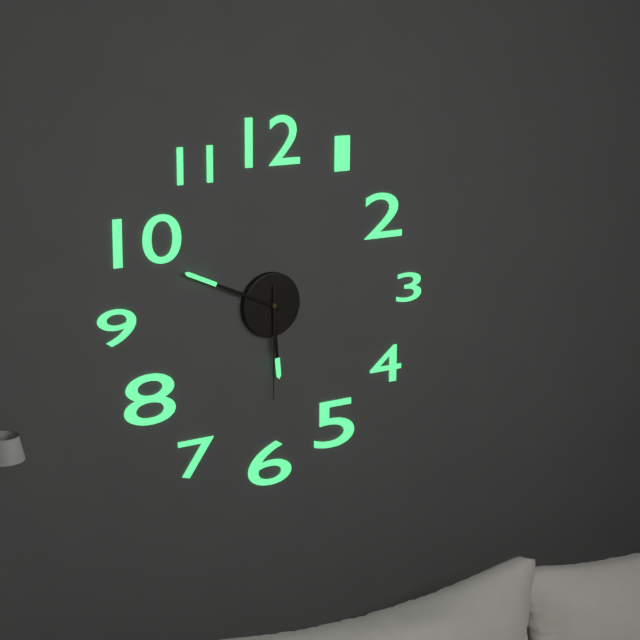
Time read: 5:49:30
